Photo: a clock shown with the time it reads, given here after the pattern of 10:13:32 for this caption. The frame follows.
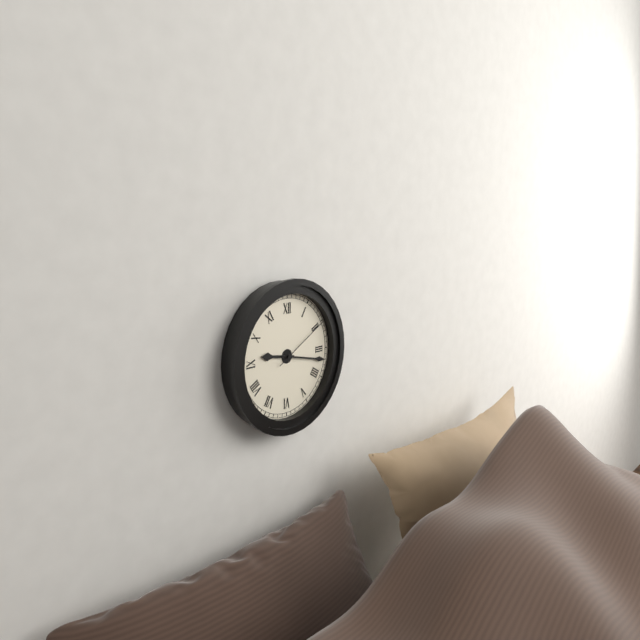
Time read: 9:17:10
